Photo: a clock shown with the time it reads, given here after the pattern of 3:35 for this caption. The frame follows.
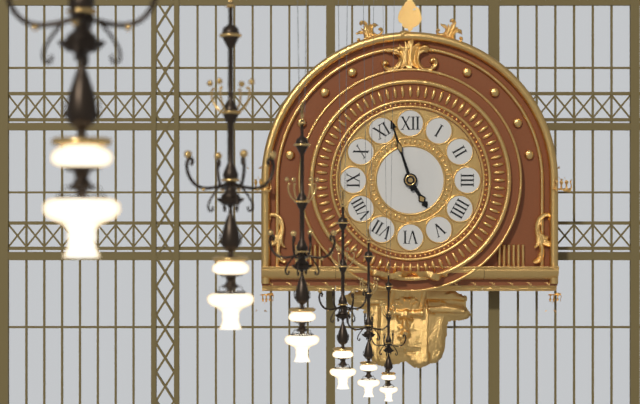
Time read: 4:57
